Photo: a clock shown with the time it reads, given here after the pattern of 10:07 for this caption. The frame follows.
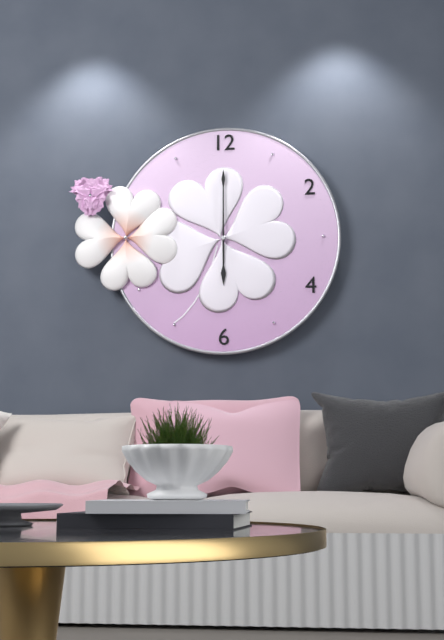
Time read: 6:00
